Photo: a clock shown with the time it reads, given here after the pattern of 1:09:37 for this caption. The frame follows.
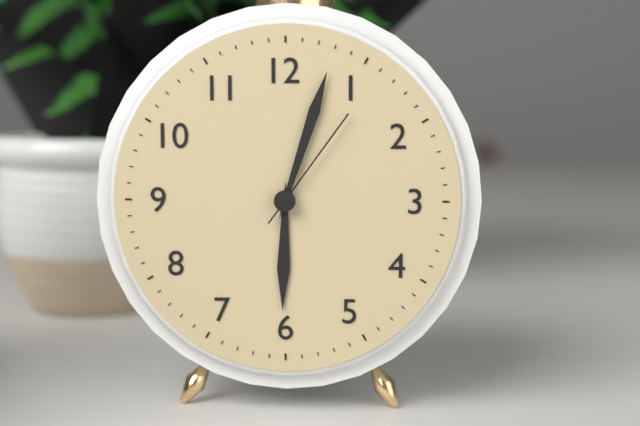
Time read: 6:03:06
